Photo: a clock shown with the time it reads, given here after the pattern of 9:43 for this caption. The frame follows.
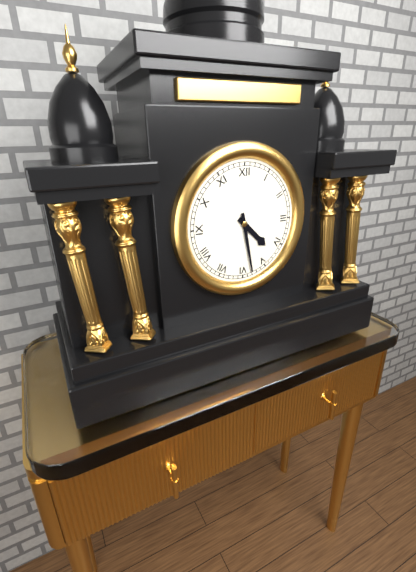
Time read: 4:28
